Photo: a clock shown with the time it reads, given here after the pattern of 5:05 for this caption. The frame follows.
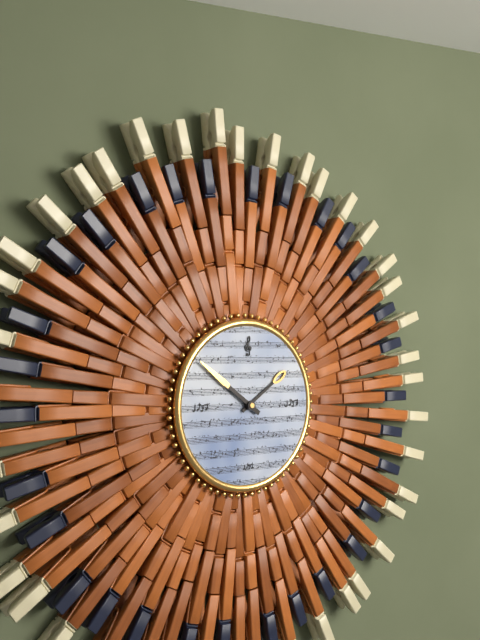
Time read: 1:51
